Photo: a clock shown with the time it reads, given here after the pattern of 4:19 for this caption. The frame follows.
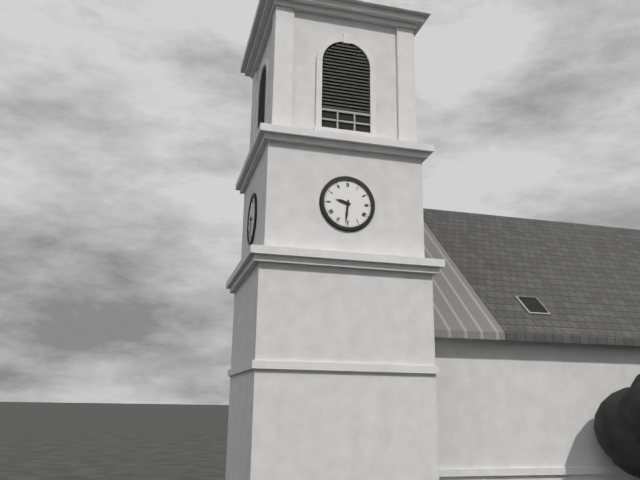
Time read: 9:31
